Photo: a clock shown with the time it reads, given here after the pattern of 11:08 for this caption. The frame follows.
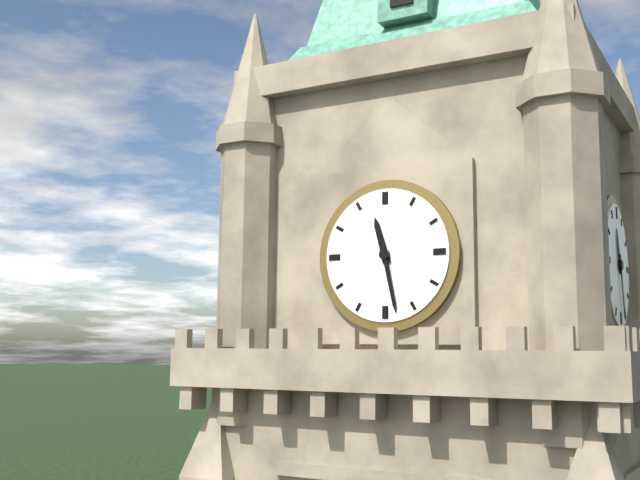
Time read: 11:28
